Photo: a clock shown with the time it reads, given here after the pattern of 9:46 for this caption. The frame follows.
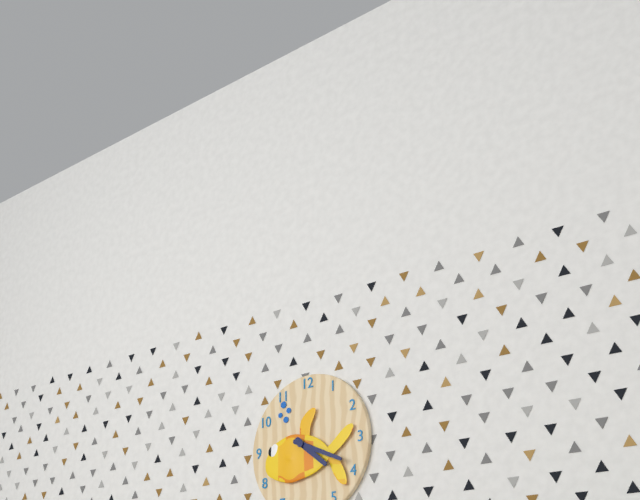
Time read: 4:19
